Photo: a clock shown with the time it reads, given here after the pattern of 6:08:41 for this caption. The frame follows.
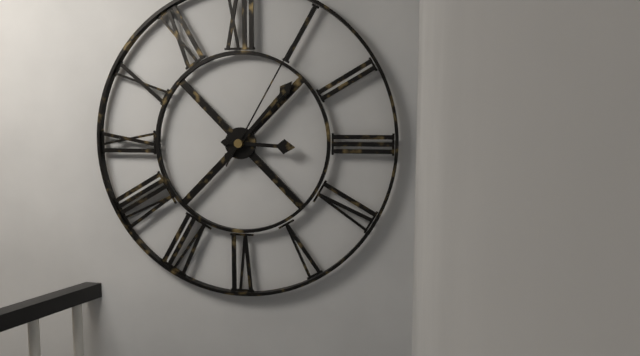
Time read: 3:07:05
